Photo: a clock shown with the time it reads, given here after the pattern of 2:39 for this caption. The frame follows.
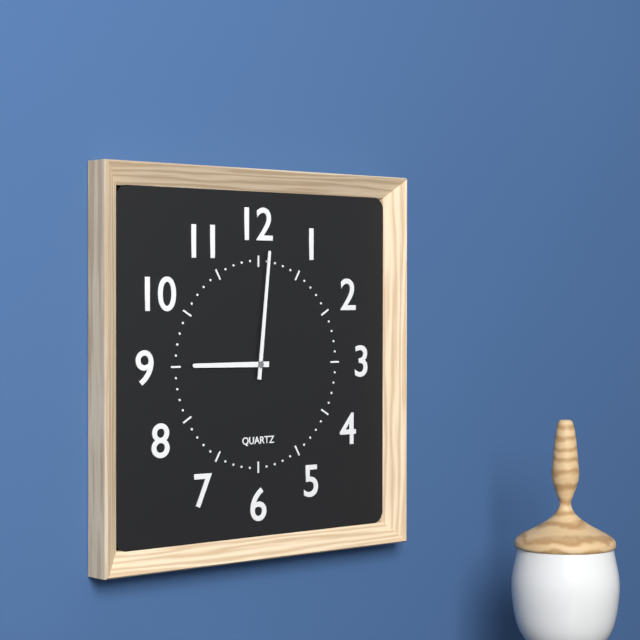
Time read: 9:01
